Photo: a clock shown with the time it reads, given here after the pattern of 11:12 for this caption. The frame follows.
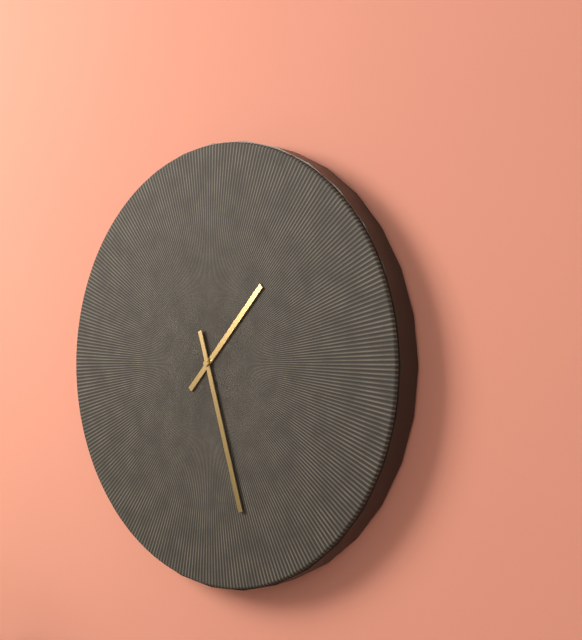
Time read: 1:27
